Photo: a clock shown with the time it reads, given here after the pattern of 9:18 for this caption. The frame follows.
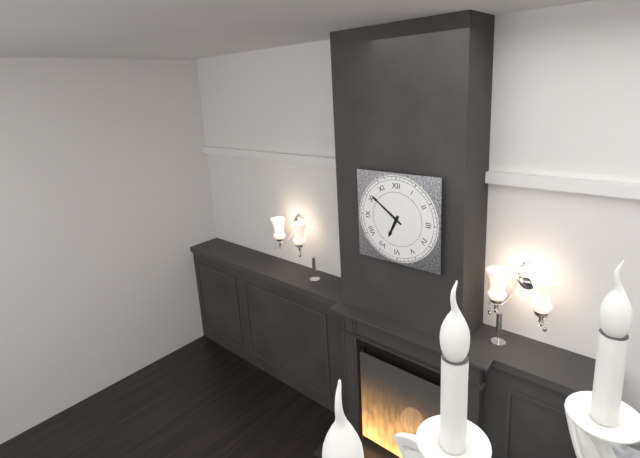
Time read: 6:51
